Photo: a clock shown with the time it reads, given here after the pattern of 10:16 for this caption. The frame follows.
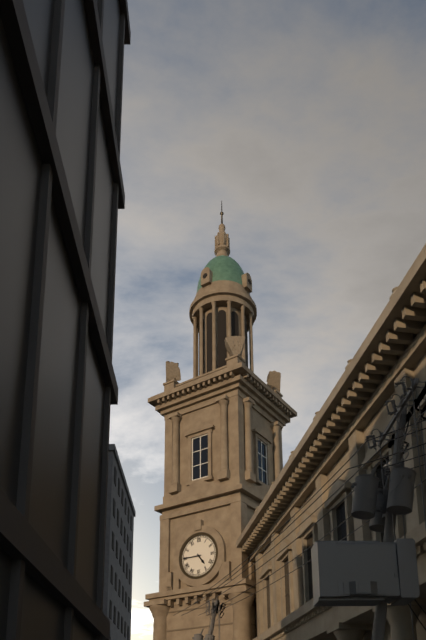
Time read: 4:45
